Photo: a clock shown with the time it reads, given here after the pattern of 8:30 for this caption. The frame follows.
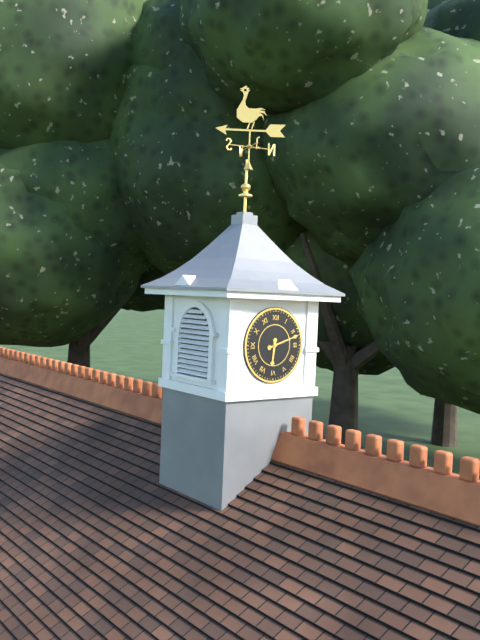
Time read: 6:12
